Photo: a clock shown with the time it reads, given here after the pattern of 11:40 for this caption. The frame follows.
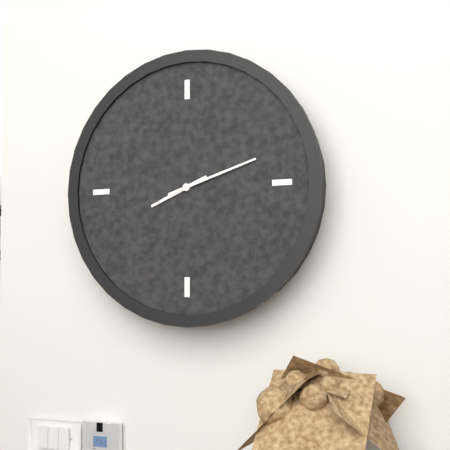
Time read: 8:12
